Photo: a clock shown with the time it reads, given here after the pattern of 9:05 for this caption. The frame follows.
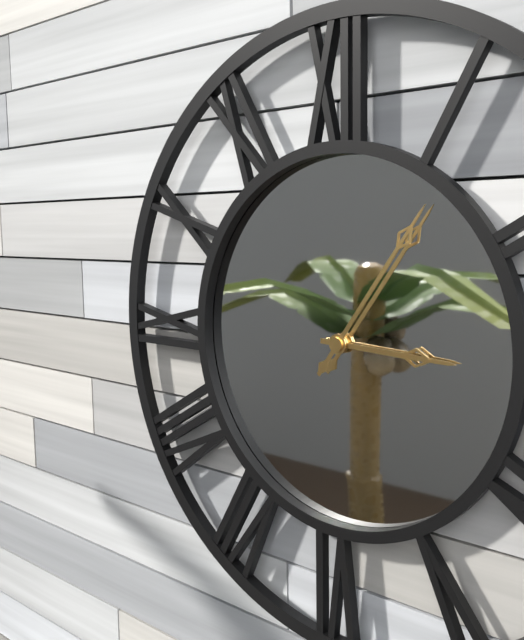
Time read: 3:06
